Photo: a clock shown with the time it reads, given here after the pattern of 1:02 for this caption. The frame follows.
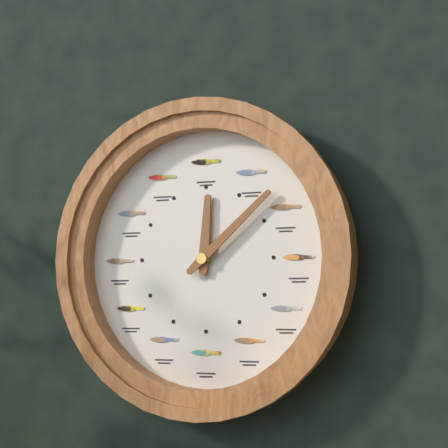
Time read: 12:08
